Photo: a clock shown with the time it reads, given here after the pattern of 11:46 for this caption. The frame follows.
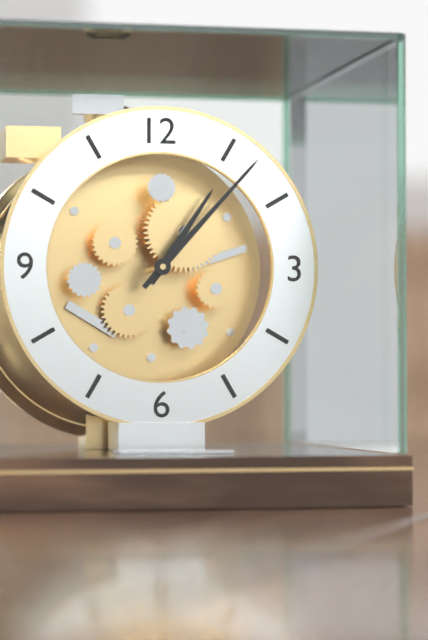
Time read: 1:07
